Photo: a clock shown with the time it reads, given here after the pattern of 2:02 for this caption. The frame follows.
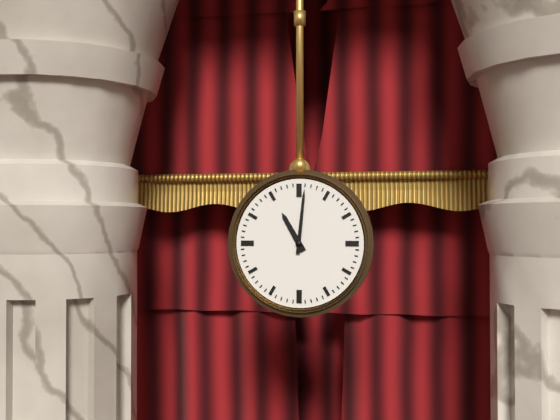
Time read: 11:01
